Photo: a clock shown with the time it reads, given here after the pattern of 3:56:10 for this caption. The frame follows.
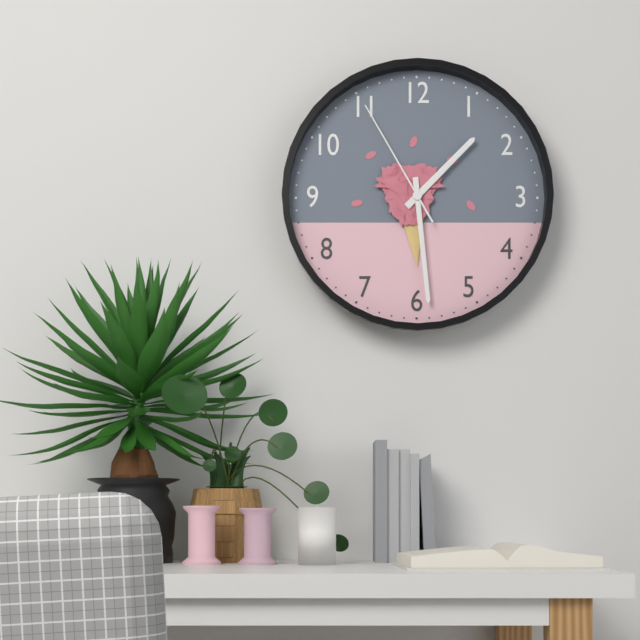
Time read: 1:29:55
